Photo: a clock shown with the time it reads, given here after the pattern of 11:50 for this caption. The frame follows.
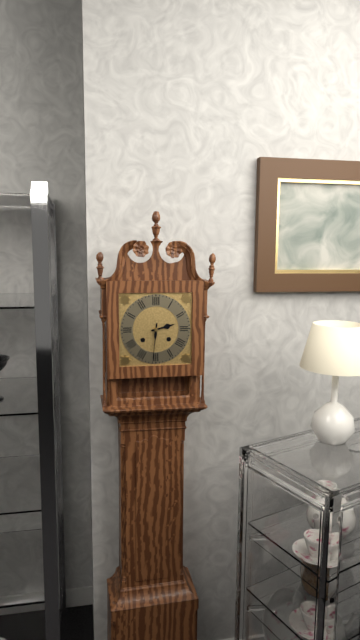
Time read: 2:31
